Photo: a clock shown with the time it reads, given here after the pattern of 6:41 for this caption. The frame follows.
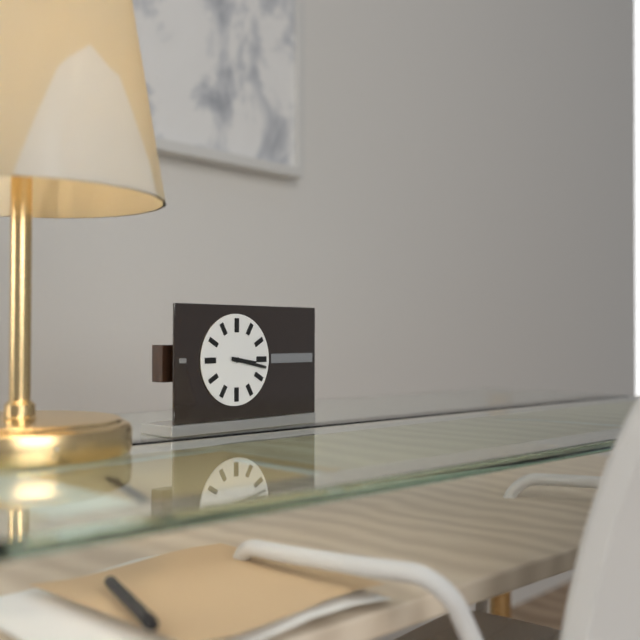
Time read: 3:17
